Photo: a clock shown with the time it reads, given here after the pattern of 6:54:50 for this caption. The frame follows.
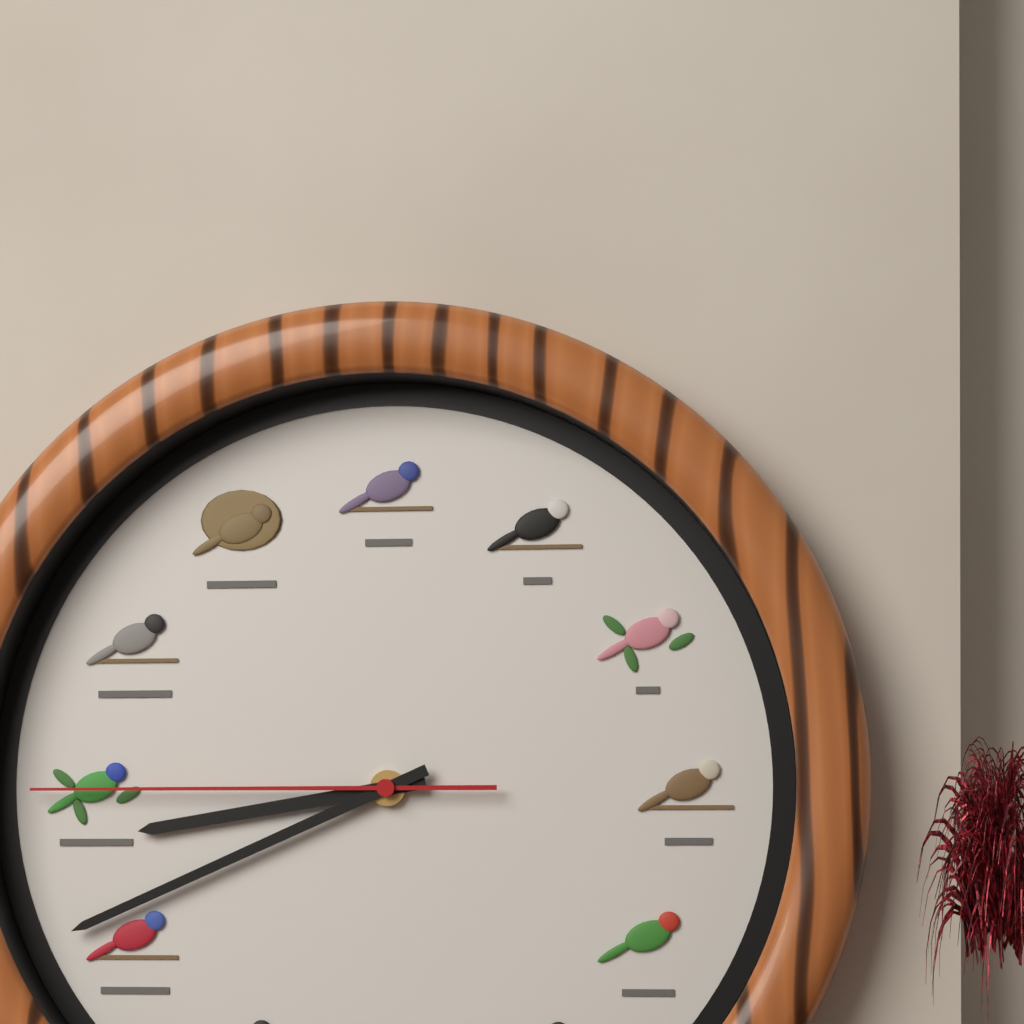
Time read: 8:41:45
